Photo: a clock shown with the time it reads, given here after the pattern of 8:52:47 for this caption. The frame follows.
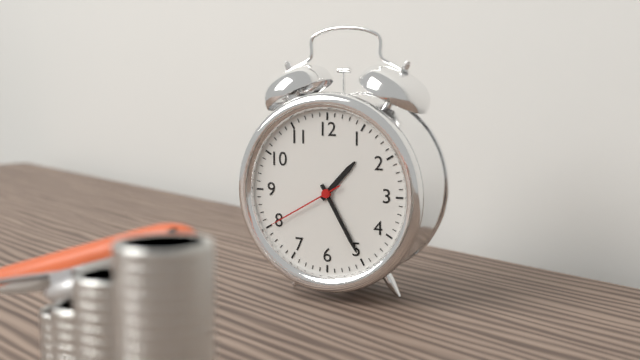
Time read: 1:25:40
